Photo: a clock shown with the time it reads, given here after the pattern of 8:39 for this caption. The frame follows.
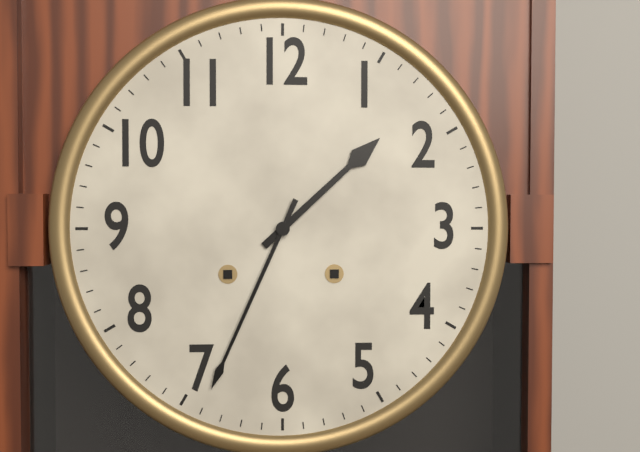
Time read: 1:34
